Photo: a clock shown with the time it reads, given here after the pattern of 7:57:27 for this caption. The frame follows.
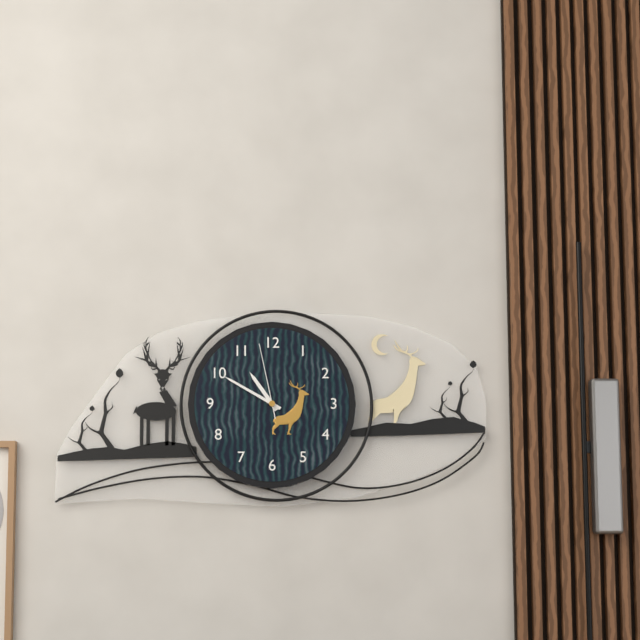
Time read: 10:50:58
